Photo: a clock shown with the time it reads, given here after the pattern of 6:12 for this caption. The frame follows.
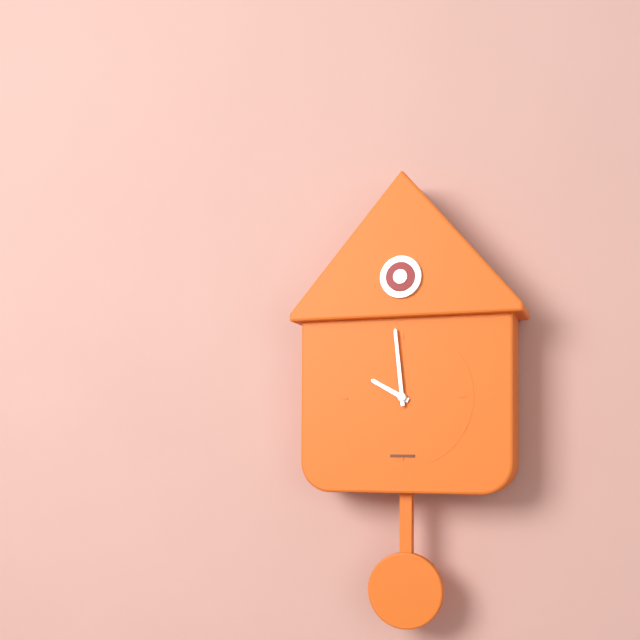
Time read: 9:59
